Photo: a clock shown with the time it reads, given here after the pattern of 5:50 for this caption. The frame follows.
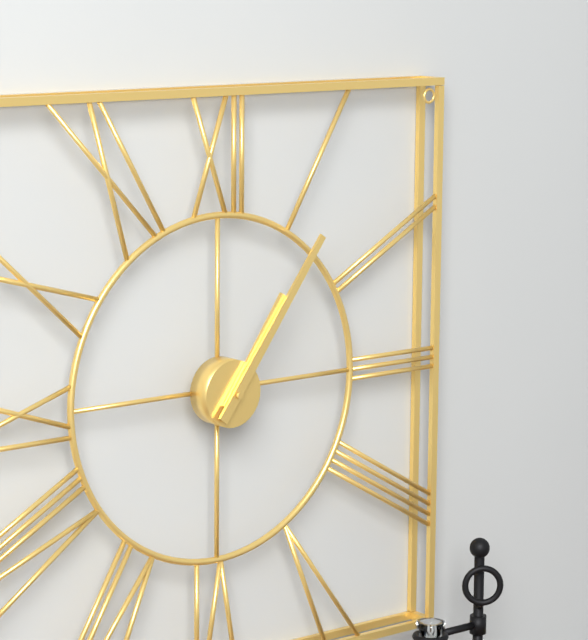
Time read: 1:06
